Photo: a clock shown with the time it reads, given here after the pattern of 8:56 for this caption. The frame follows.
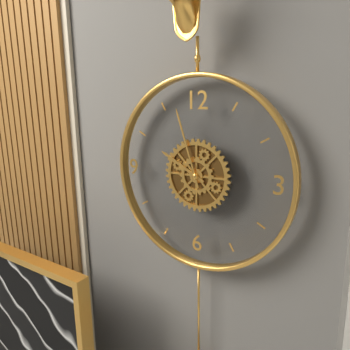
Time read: 9:57
